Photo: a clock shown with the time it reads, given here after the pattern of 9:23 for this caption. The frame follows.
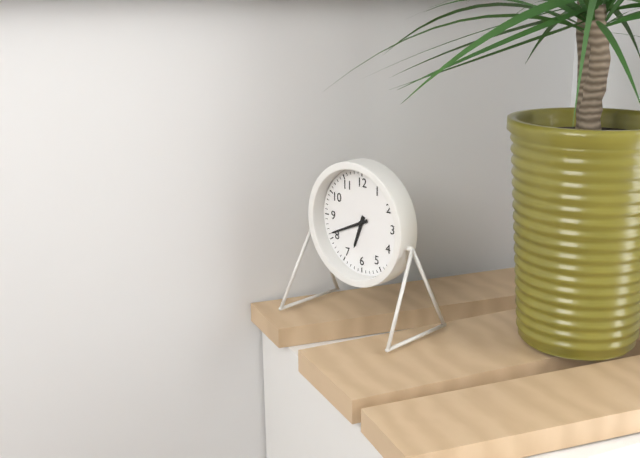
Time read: 6:41
